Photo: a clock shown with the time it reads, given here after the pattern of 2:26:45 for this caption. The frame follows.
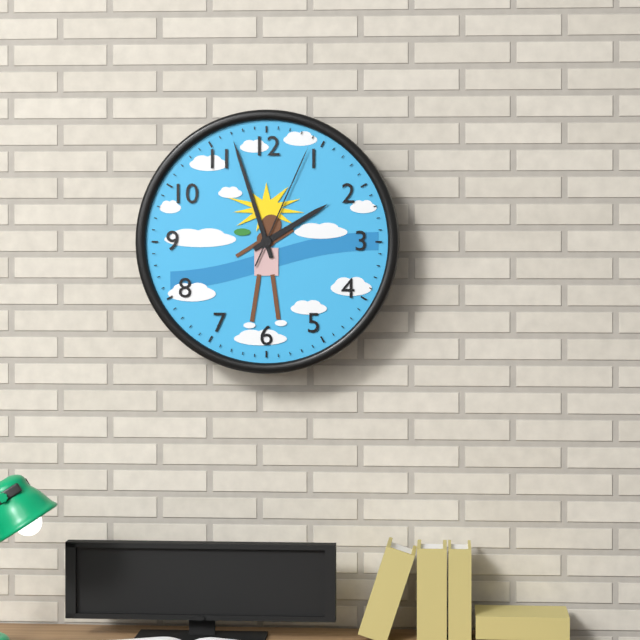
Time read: 1:57:04
